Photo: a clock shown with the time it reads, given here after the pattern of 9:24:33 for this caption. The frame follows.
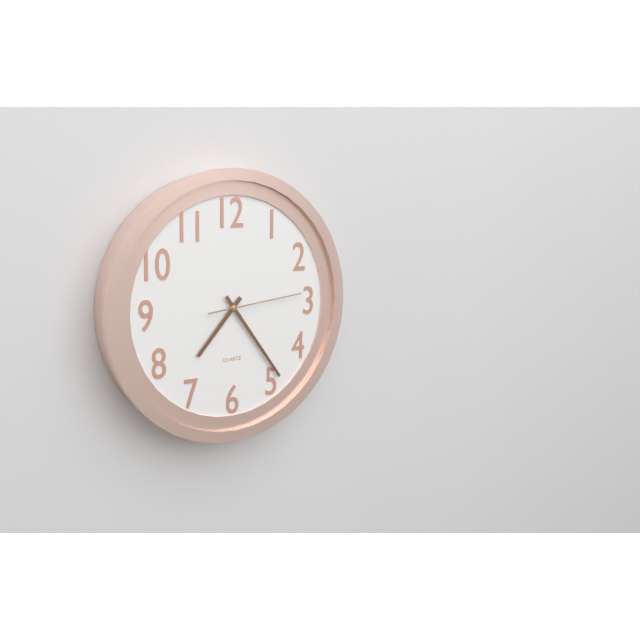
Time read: 7:24:14
